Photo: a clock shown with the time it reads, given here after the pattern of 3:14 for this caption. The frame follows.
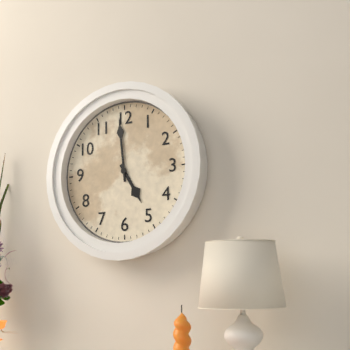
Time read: 4:59
